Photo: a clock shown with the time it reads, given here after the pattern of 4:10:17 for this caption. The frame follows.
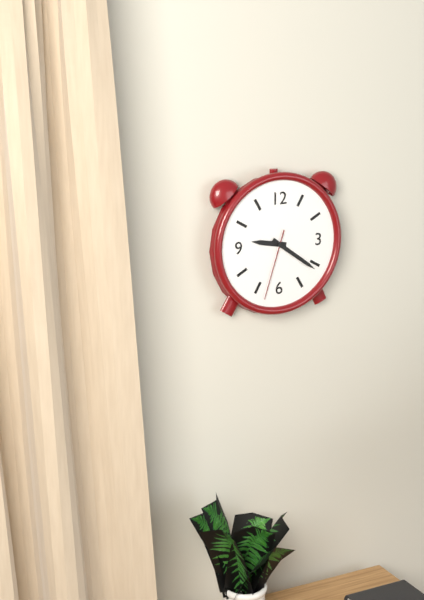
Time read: 9:21:33
